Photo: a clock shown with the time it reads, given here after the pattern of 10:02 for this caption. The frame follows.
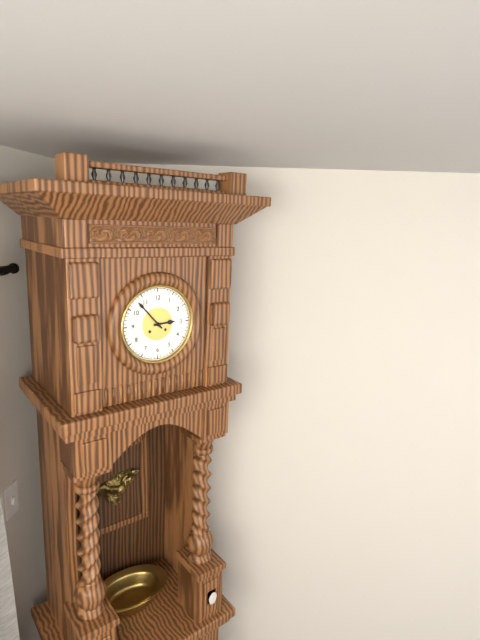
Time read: 2:53
